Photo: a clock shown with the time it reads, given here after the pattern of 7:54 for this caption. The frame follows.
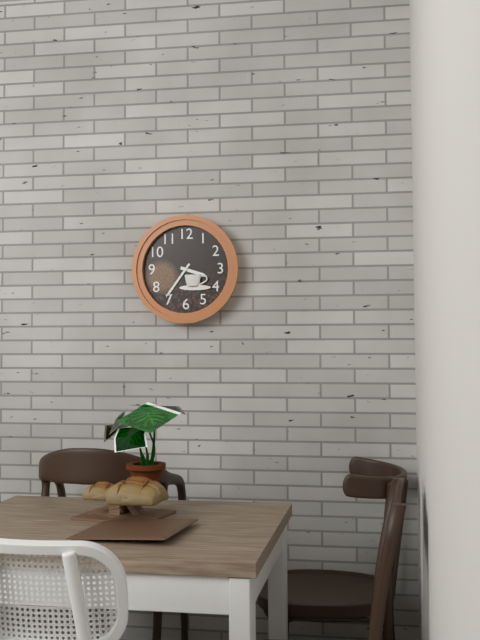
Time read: 3:36
